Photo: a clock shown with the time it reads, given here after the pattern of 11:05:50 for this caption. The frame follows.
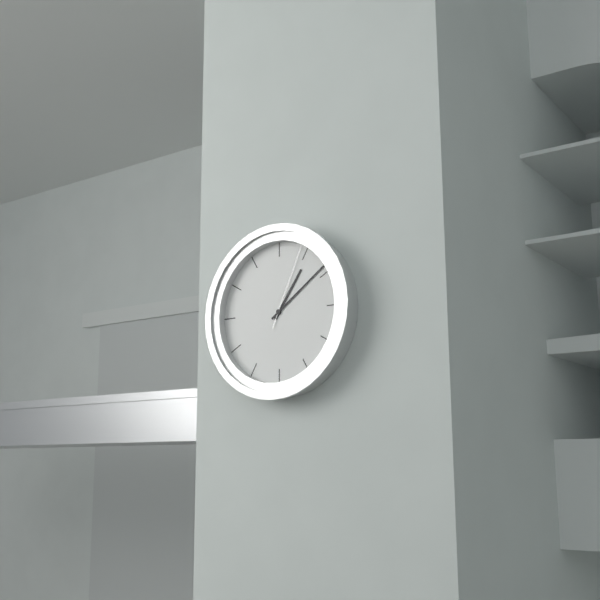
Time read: 1:09:04
